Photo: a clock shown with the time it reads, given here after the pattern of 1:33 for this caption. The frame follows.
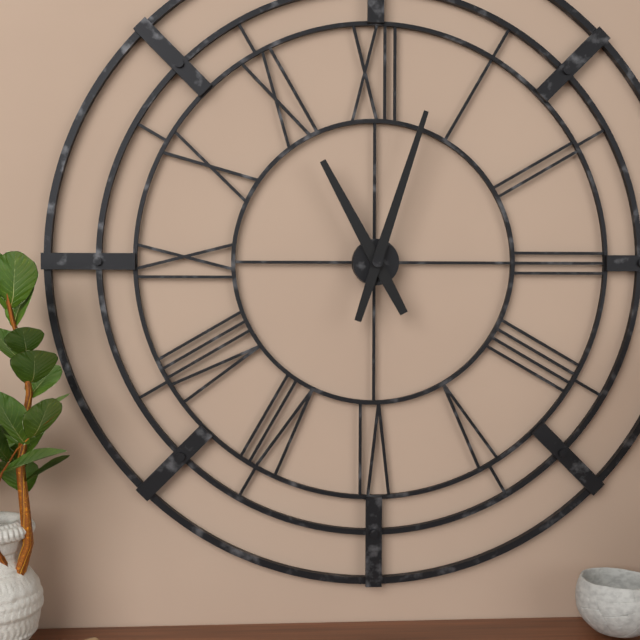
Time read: 11:03
